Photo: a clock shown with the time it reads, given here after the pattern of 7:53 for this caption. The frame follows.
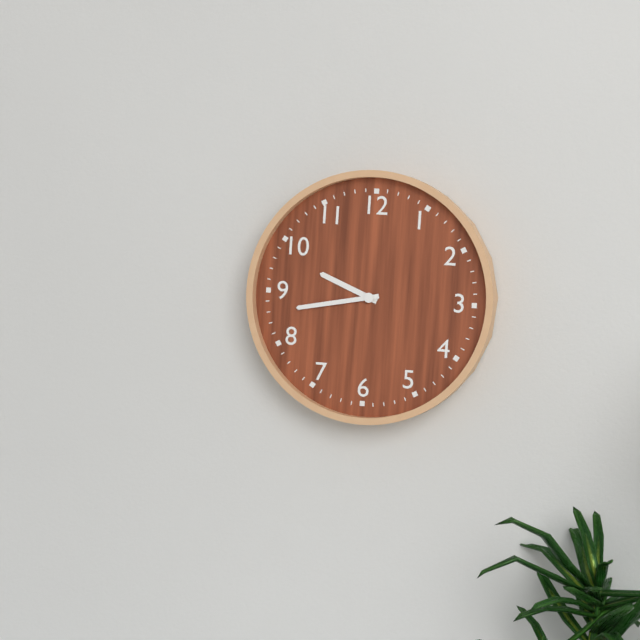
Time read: 9:43
